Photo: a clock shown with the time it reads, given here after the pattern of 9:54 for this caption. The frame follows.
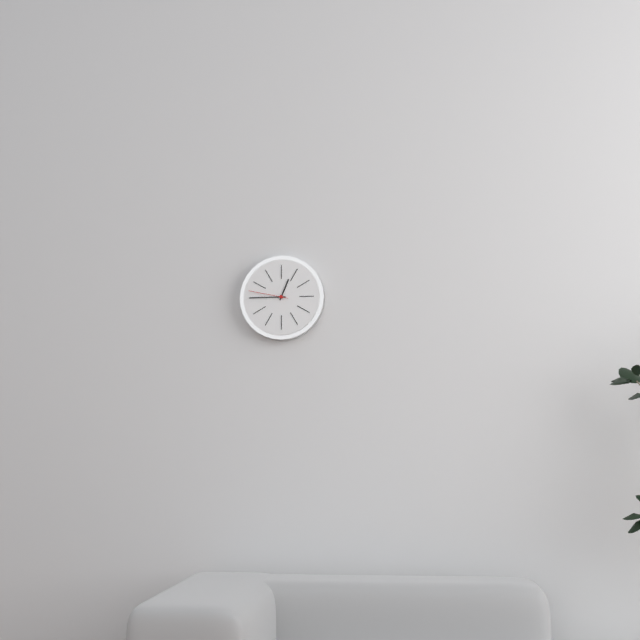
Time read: 12:45
